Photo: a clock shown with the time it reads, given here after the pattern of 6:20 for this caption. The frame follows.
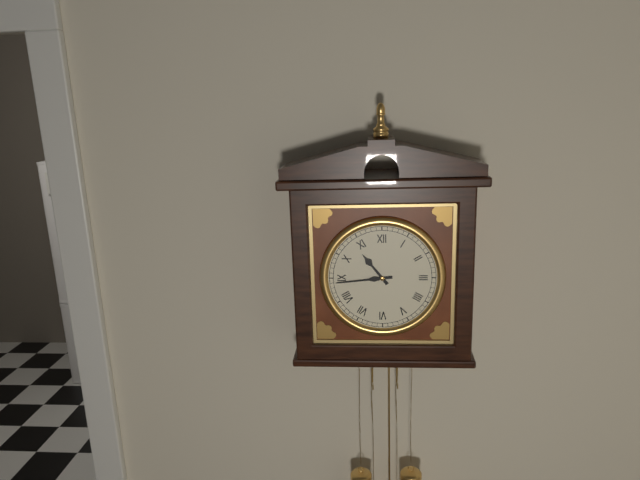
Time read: 10:44
